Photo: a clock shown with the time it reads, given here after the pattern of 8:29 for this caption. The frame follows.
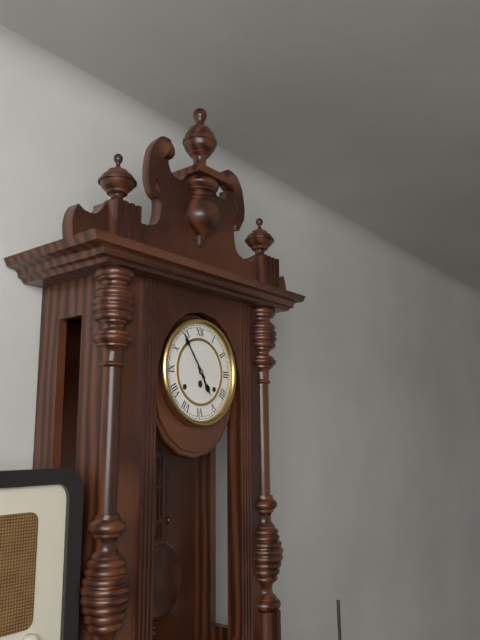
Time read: 4:54
